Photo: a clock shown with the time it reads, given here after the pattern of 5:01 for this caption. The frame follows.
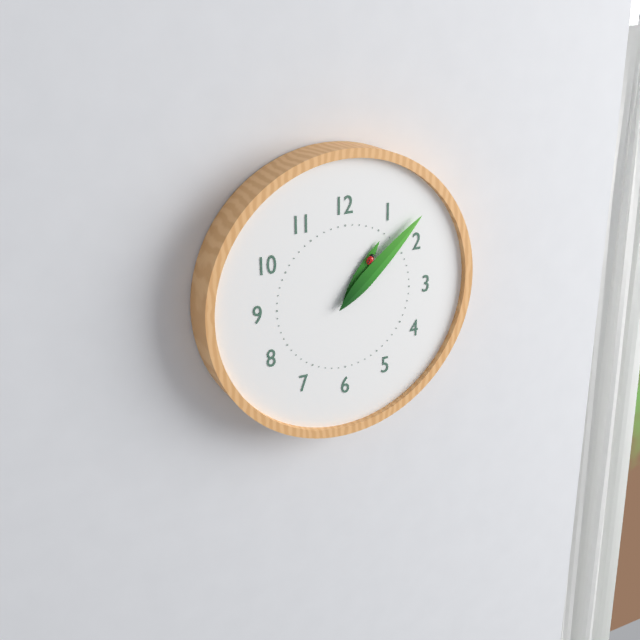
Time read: 1:08
